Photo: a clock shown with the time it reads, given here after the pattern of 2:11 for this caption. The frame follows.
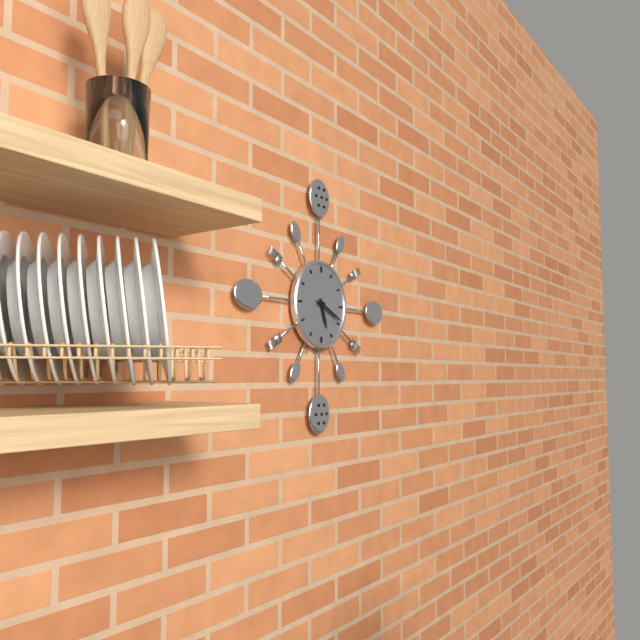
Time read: 5:19
